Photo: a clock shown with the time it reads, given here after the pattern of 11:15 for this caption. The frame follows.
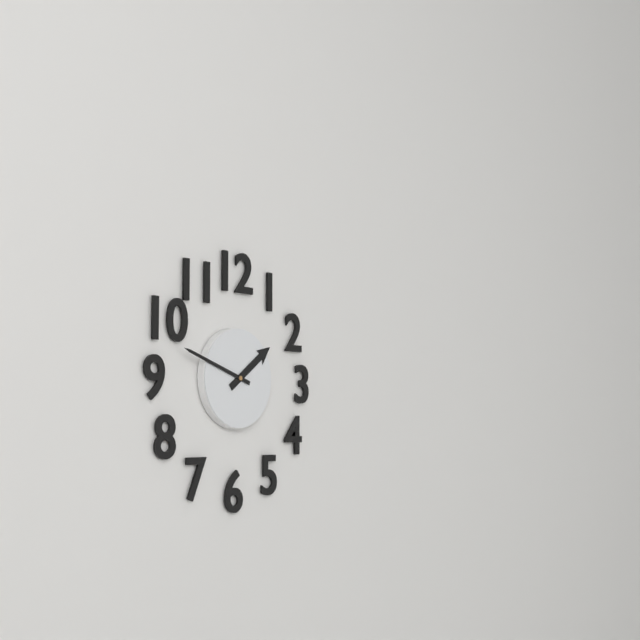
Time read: 1:48
